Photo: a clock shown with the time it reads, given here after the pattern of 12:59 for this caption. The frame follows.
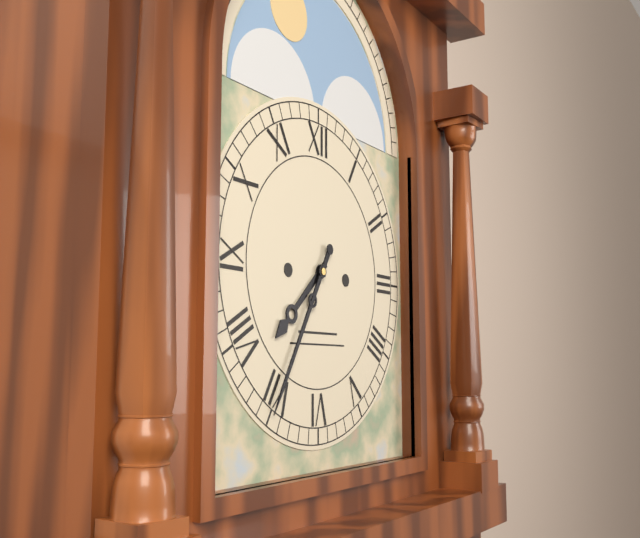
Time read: 7:35
